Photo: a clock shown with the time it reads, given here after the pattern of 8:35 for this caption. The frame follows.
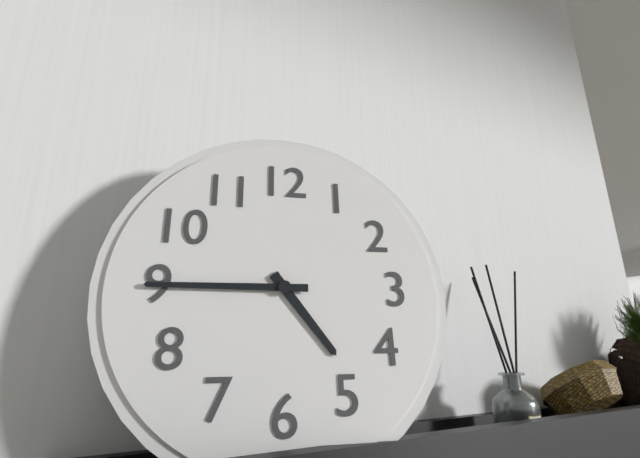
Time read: 4:45
